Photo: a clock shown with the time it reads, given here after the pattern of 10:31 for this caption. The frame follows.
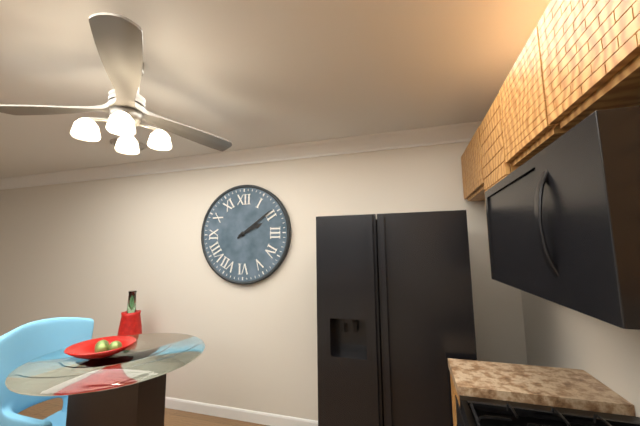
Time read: 2:09
